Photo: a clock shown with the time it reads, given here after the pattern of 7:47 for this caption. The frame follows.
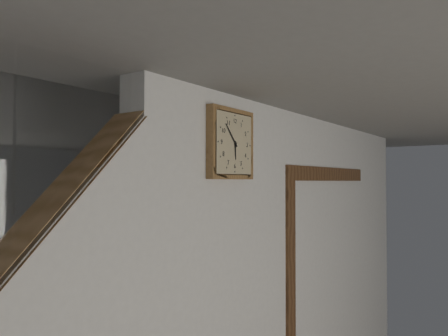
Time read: 5:53
